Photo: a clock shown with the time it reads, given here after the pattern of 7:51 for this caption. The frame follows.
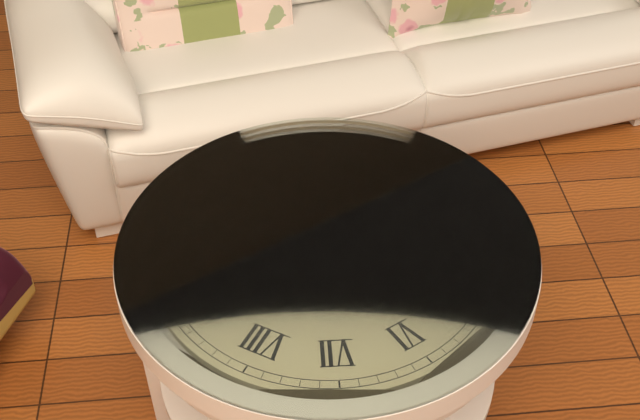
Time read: 2:25
